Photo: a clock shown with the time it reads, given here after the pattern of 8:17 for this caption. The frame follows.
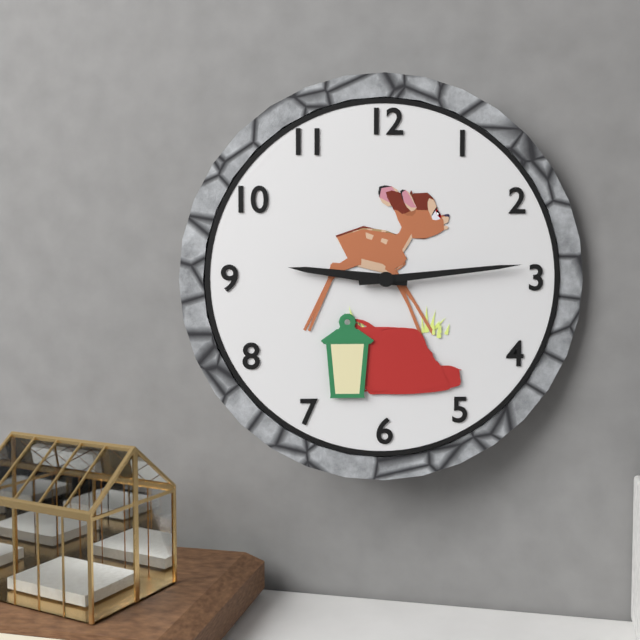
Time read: 9:14
